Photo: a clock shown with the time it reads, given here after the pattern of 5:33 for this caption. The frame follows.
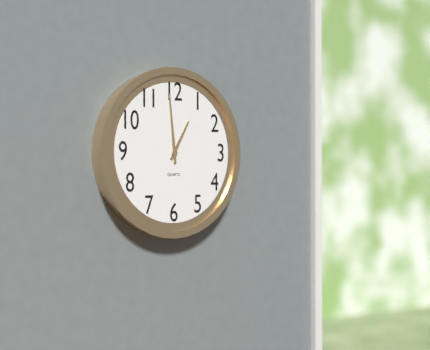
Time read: 12:59
